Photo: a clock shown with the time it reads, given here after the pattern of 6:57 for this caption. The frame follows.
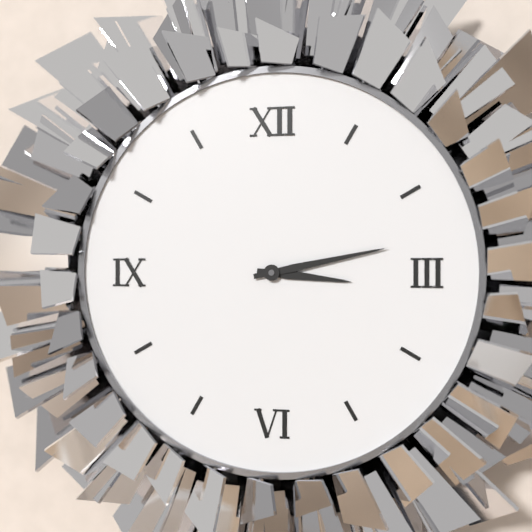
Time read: 3:13
